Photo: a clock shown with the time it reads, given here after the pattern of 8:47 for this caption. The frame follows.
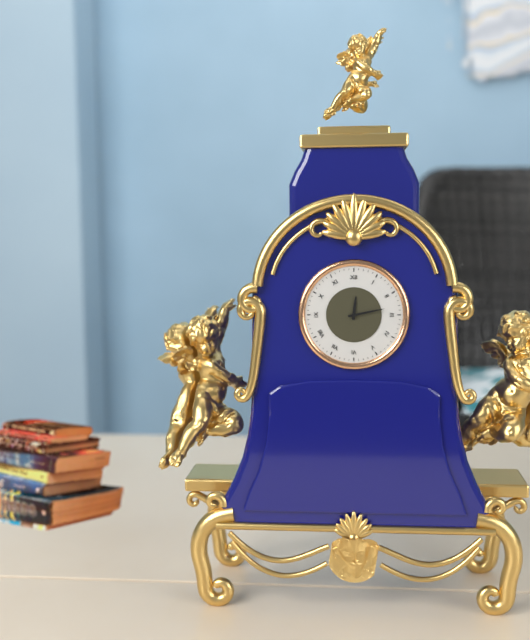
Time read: 12:13
